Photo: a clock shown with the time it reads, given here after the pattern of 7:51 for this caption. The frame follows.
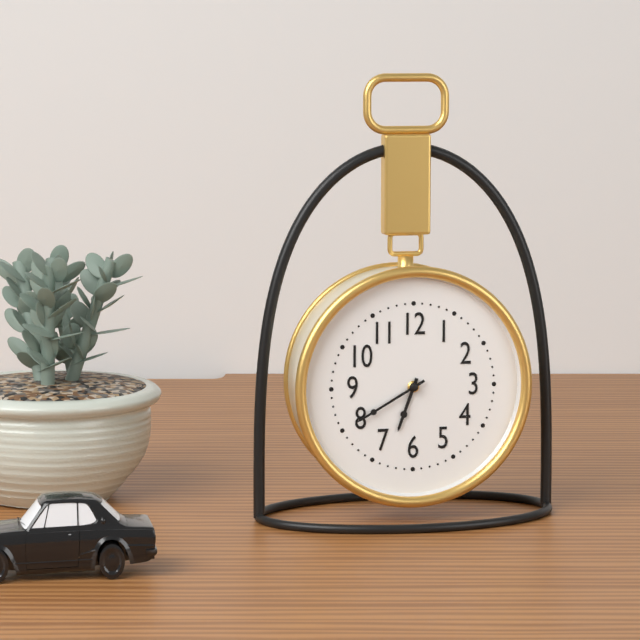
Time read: 6:40
